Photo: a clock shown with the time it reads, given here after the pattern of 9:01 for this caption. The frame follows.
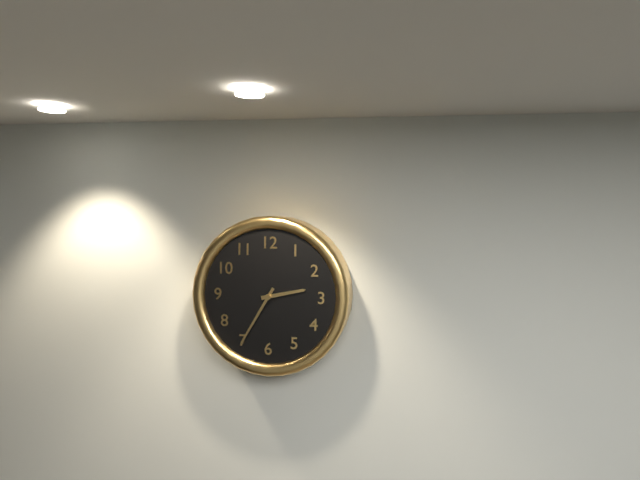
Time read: 2:35
